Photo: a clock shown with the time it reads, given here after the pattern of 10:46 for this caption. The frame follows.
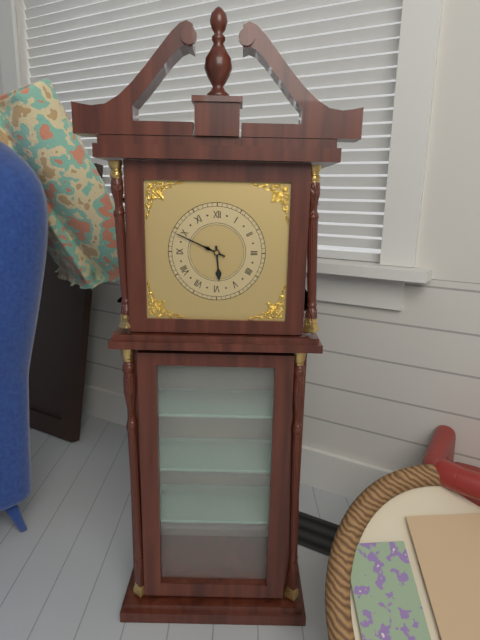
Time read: 5:49
